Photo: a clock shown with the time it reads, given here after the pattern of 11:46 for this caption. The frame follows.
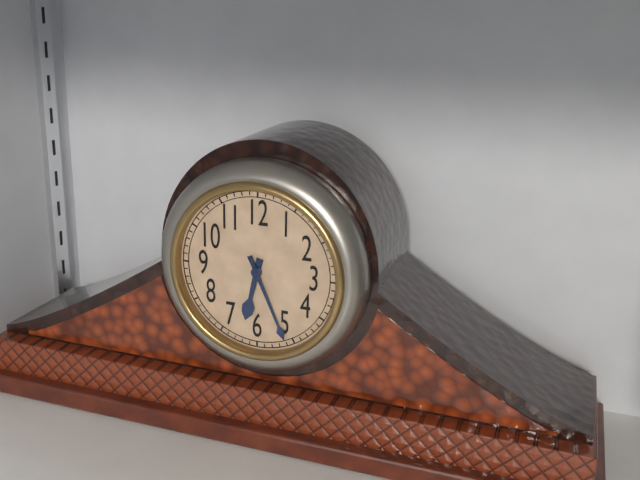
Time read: 6:26
